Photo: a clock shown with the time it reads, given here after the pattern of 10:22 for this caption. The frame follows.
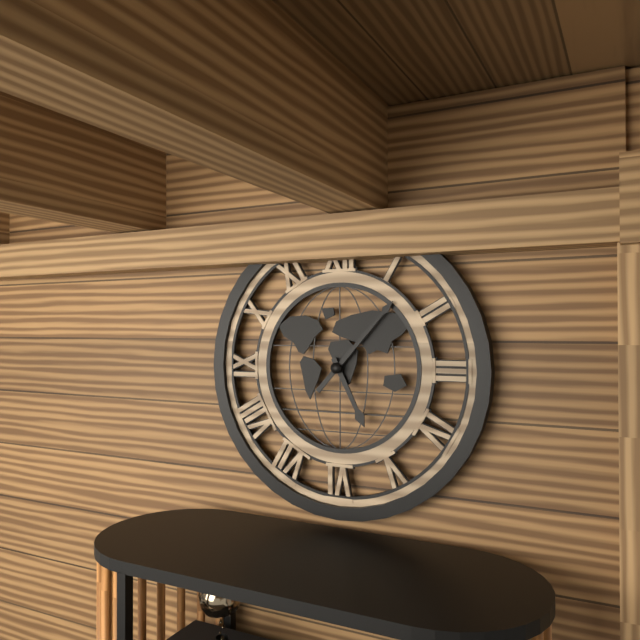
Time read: 5:07
